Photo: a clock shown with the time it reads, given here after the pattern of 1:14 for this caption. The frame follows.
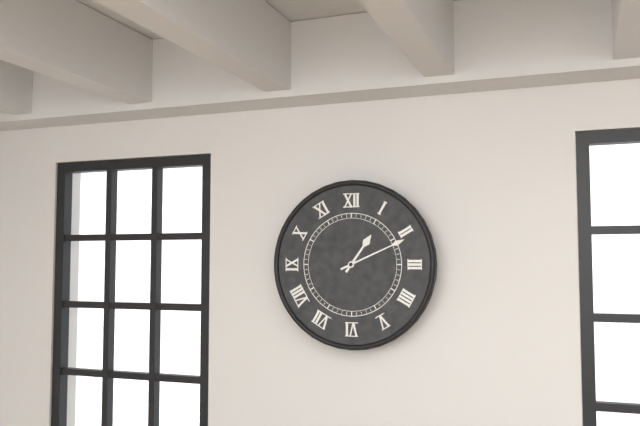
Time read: 1:11
